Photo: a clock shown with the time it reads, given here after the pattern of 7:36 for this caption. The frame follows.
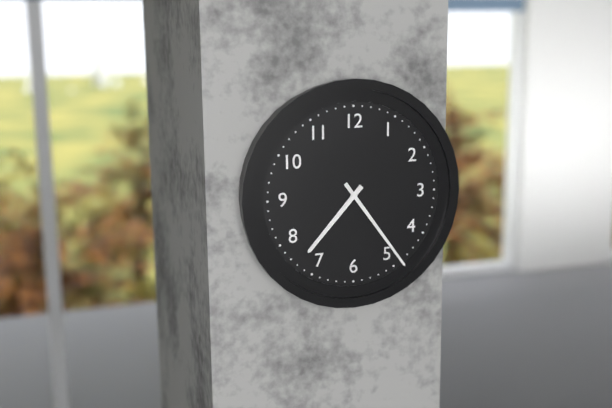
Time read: 7:24
